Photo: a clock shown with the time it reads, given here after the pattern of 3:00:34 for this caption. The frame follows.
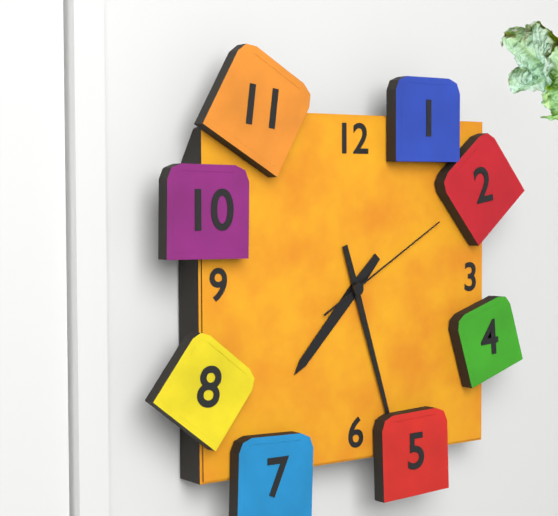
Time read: 7:27:10
